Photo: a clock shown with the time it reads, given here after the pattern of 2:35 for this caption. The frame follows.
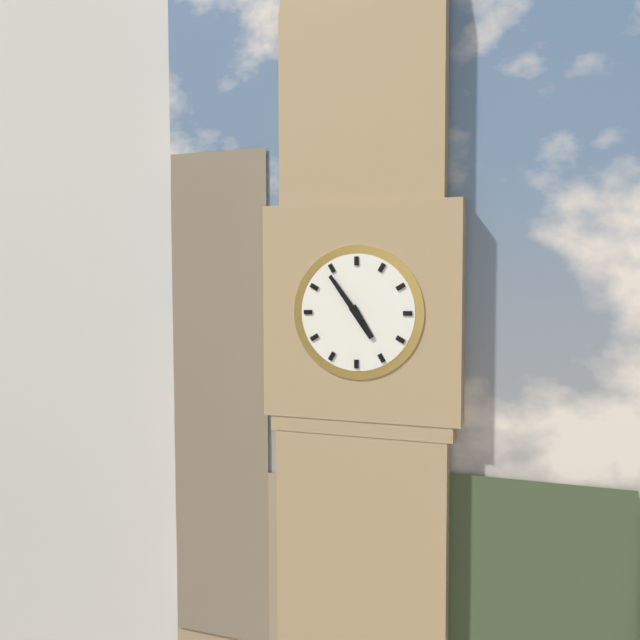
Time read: 4:54
